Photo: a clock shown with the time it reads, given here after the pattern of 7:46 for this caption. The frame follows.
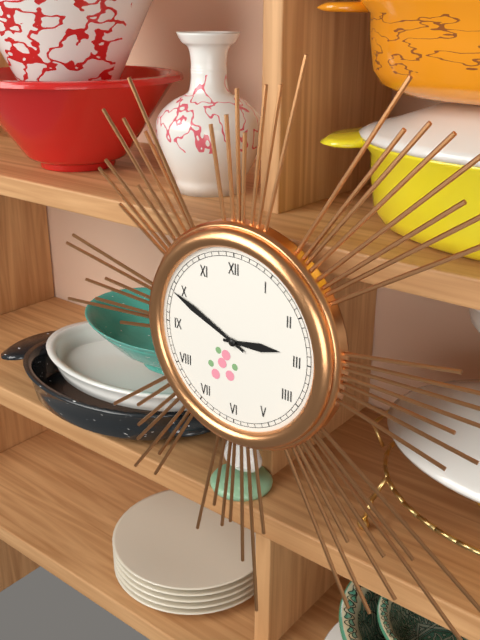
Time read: 2:49
